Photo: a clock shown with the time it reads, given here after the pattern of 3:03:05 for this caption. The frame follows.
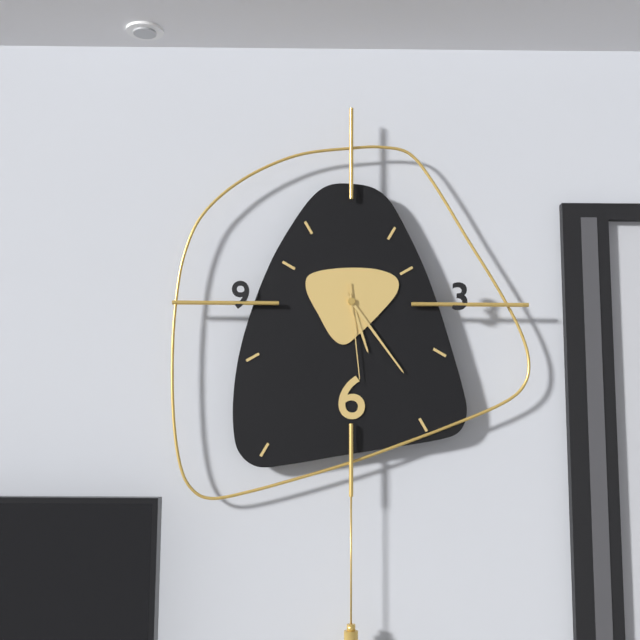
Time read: 5:24:29
